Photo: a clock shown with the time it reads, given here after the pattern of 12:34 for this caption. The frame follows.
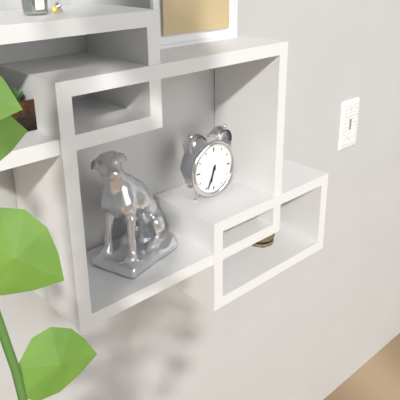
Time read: 6:34
